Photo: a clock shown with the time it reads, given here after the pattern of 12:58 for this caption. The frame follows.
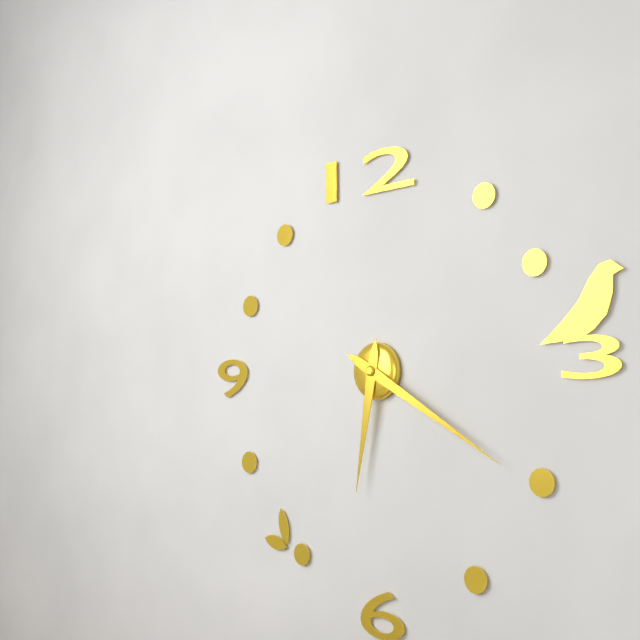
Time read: 6:20
